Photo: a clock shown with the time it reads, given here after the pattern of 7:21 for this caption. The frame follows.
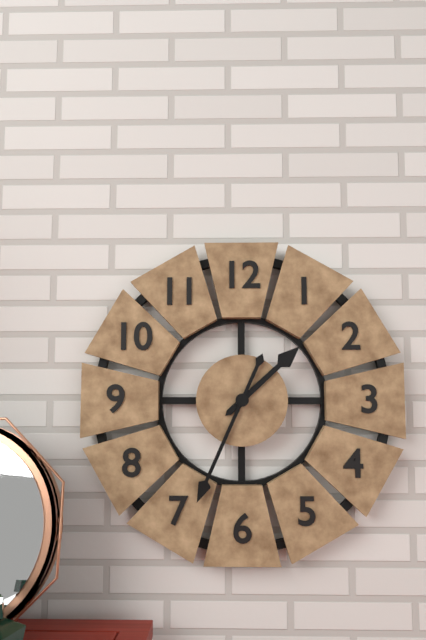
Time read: 1:34
